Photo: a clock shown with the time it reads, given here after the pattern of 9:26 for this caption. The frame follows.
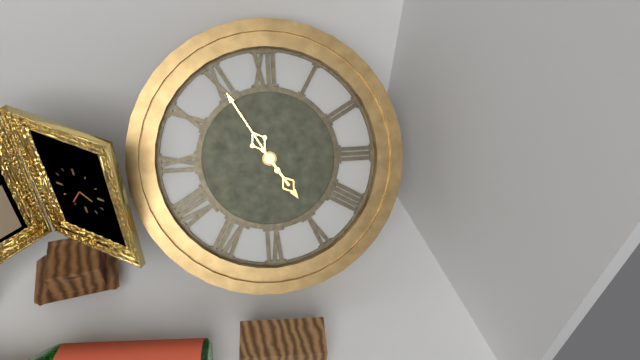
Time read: 4:55
